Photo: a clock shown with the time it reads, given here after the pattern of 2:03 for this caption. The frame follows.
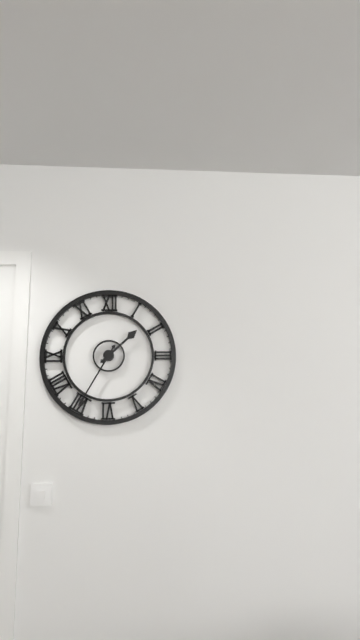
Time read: 1:35
